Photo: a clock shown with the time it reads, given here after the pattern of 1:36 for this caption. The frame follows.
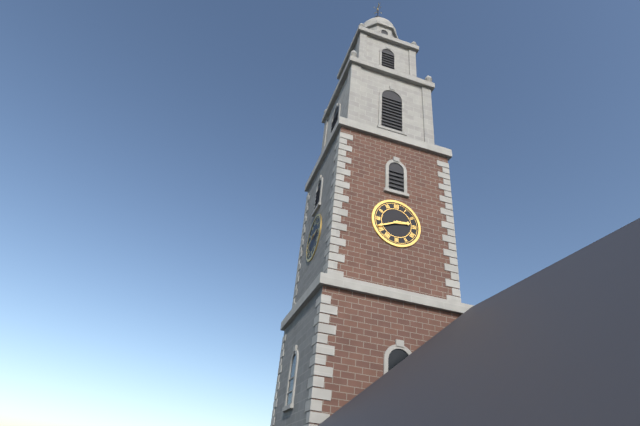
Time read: 2:41
